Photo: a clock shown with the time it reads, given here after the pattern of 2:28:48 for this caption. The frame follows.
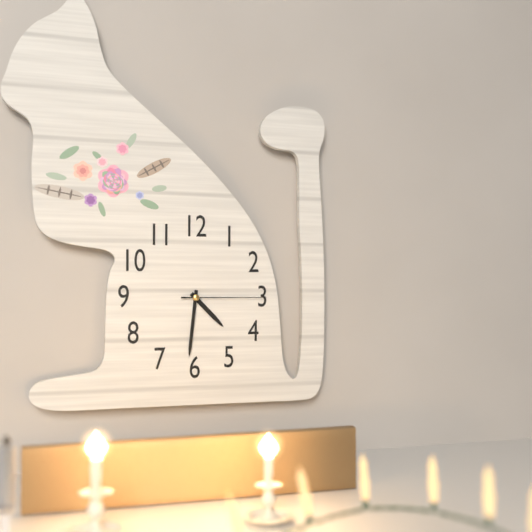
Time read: 4:31:15
